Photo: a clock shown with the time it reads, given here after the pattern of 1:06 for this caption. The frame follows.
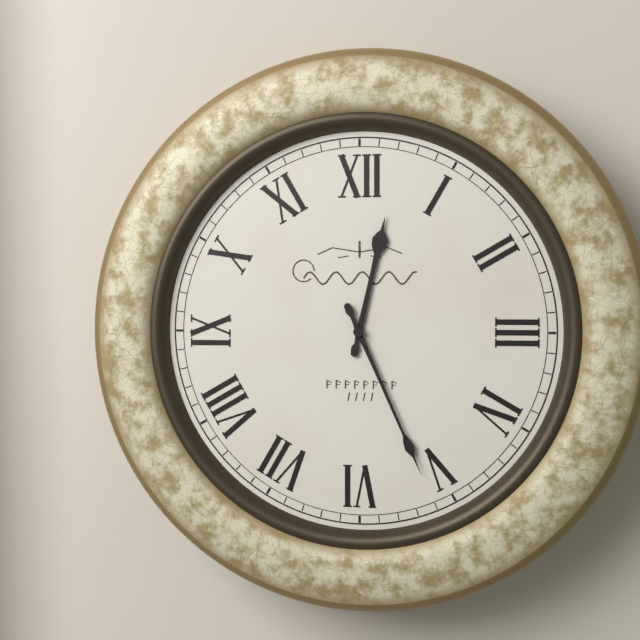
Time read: 12:26
